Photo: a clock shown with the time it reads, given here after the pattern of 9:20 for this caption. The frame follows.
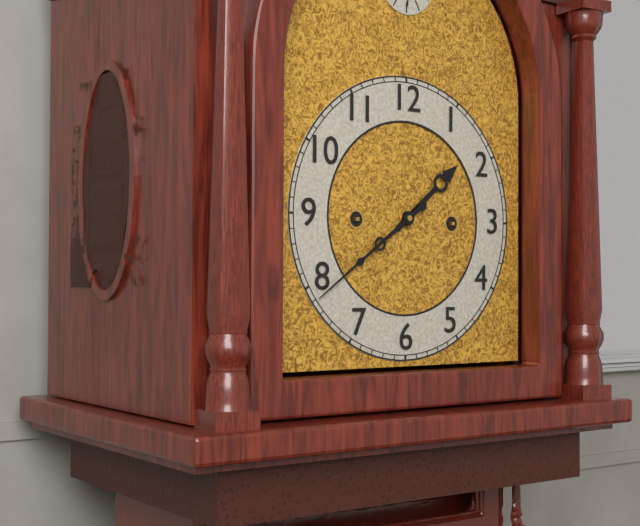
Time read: 1:39
